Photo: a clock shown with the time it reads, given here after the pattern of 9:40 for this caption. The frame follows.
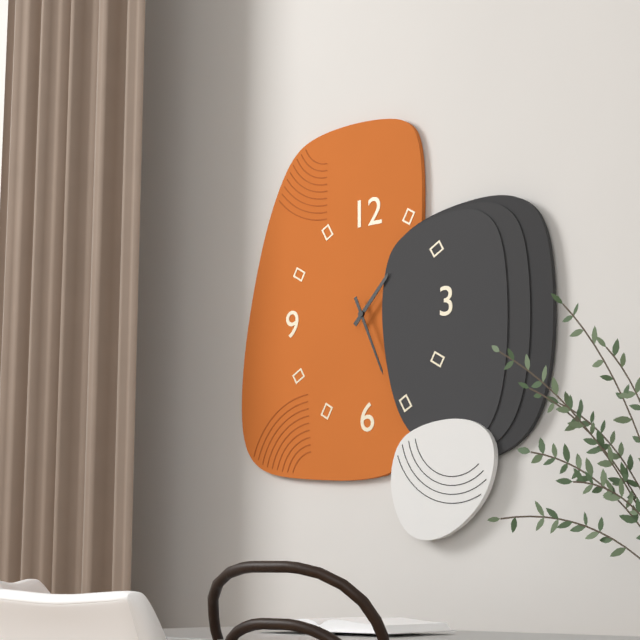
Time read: 1:26
